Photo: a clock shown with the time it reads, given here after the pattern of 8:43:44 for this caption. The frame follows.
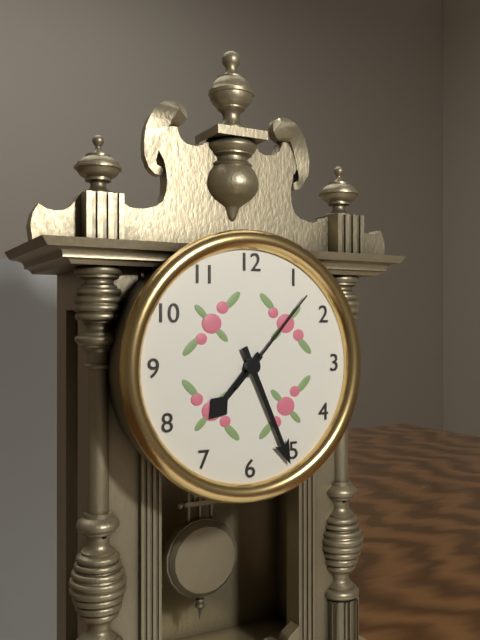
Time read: 7:26:07
